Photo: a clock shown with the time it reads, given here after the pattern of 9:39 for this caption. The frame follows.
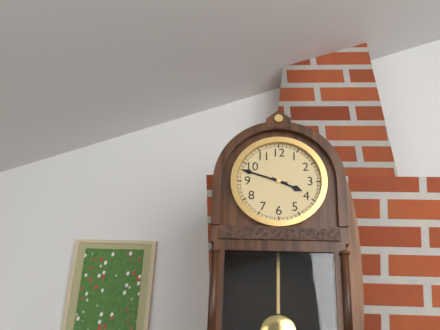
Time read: 3:48
